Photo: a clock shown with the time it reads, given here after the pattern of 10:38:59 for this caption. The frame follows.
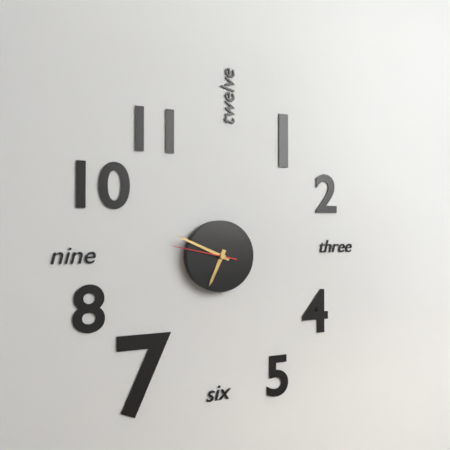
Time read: 6:49:47
